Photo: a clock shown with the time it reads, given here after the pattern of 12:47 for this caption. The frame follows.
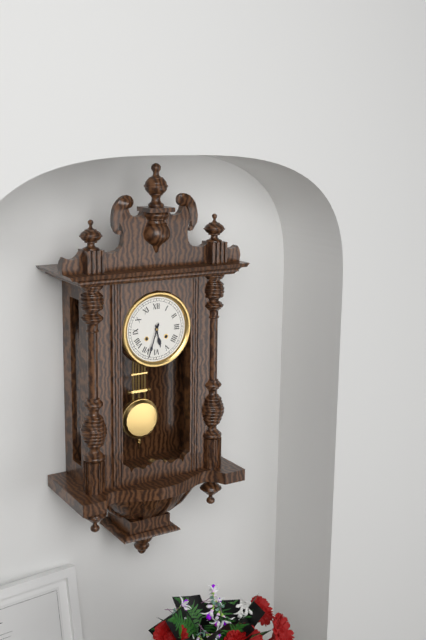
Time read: 5:33
